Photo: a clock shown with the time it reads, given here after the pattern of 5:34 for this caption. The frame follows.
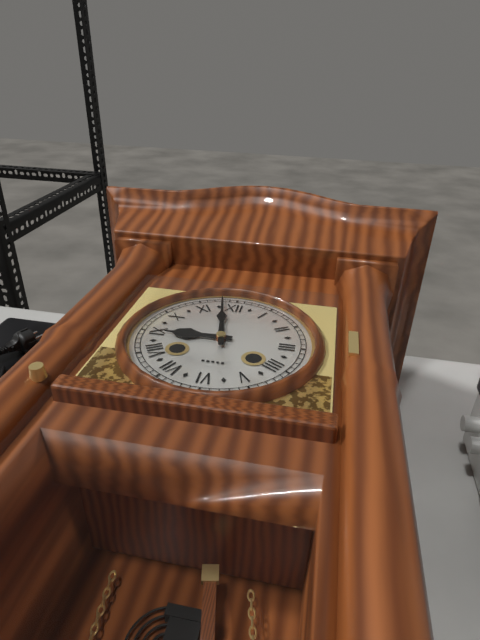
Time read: 8:58
